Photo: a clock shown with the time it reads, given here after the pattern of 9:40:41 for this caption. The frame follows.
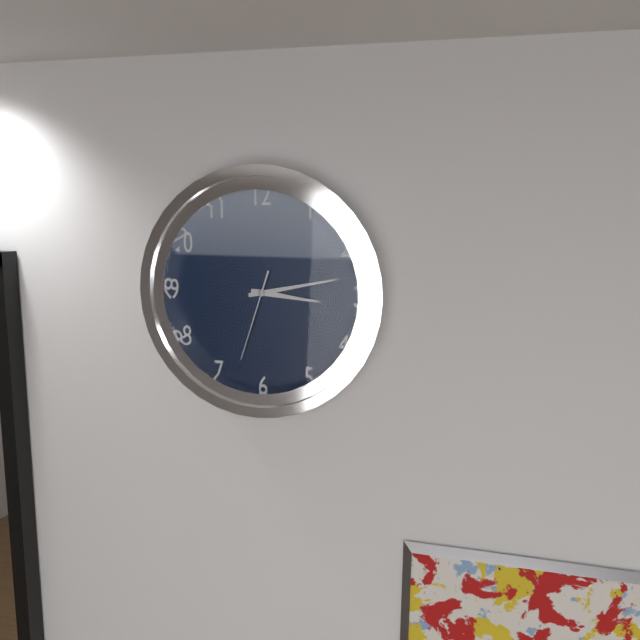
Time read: 3:13:33
